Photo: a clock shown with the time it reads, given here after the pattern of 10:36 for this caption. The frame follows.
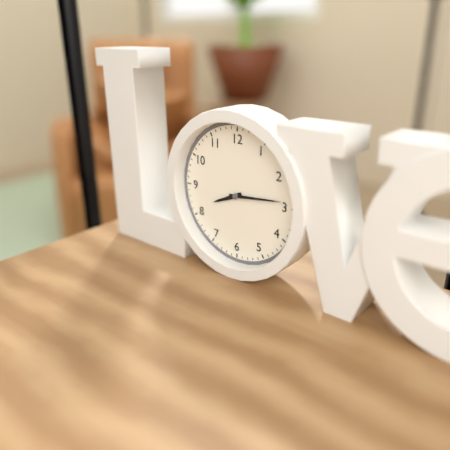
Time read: 8:14
